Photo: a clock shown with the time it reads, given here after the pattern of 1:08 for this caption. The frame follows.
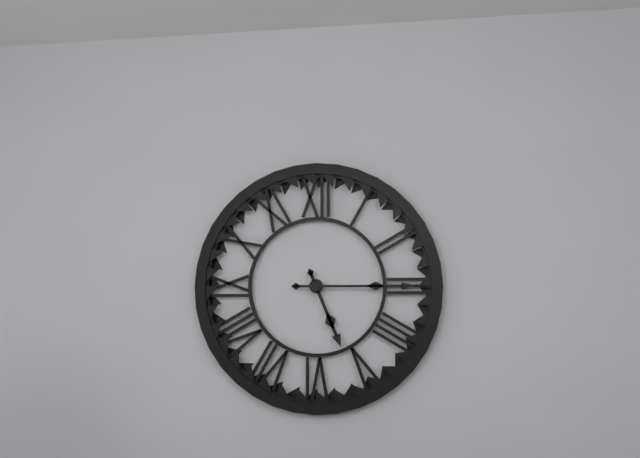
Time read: 5:15
